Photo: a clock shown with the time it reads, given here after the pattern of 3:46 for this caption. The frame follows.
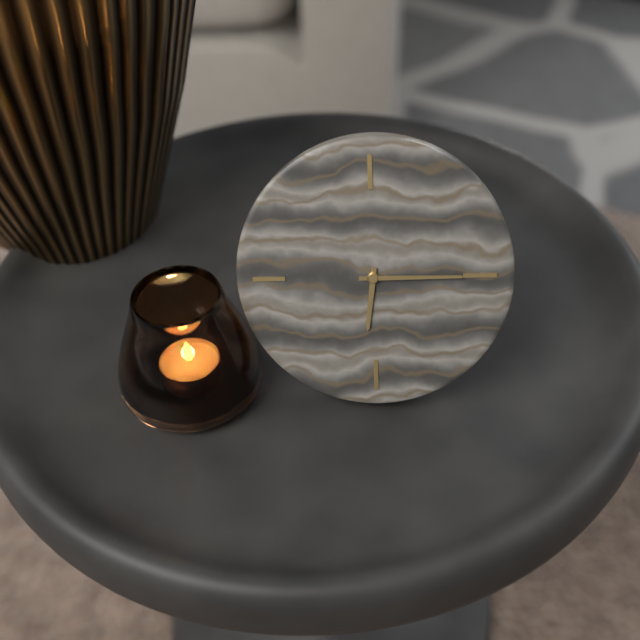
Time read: 6:15
